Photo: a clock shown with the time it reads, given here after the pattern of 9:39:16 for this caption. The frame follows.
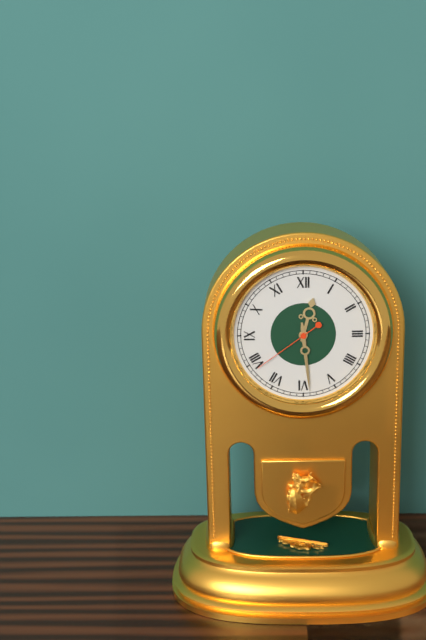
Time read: 12:29:39
